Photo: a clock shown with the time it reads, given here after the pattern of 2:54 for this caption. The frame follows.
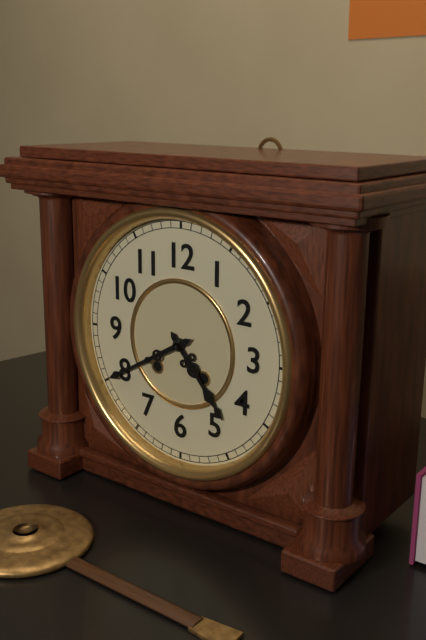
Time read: 4:40
